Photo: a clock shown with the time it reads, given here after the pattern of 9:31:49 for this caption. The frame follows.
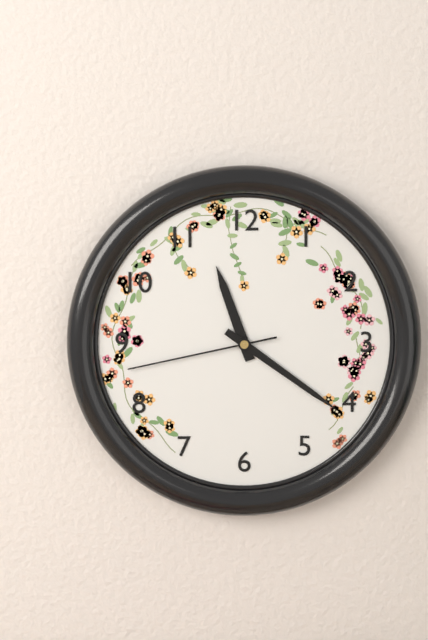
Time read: 11:21:43
